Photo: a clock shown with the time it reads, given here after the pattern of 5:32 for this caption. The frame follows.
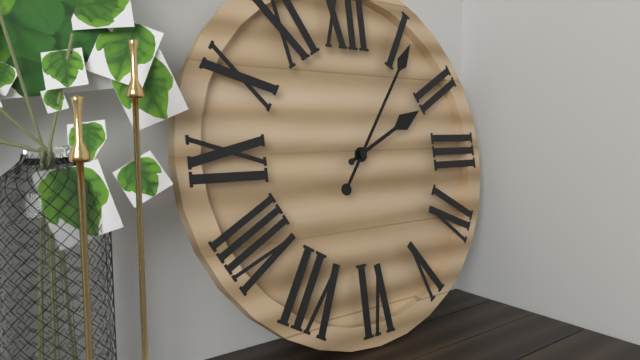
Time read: 2:06
